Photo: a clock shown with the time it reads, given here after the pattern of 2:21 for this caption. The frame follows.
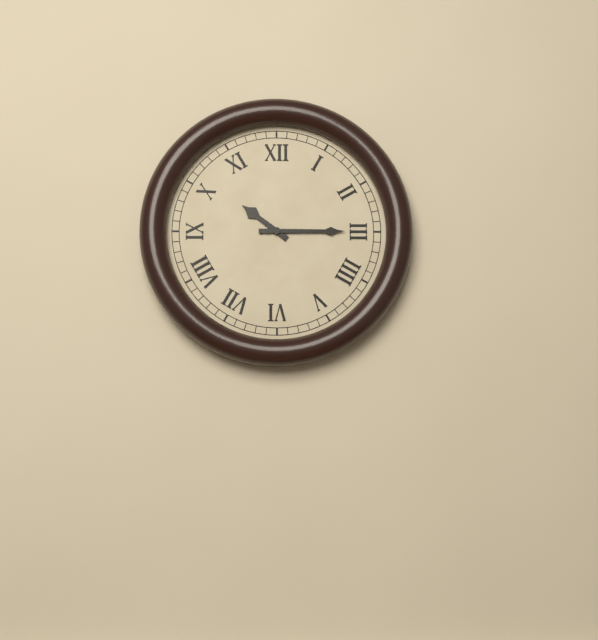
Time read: 10:15
